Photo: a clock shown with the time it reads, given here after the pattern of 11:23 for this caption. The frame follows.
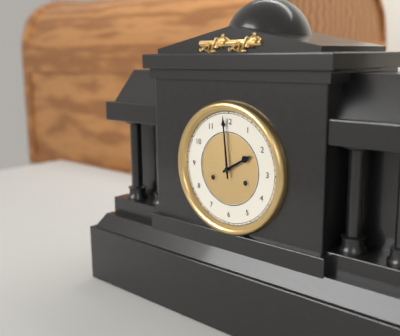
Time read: 1:59
